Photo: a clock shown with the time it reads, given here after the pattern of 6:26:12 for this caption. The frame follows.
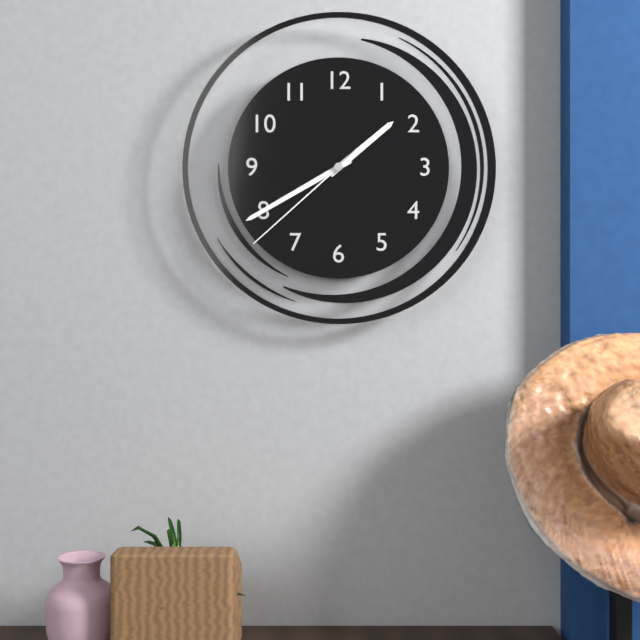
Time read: 1:40:38
